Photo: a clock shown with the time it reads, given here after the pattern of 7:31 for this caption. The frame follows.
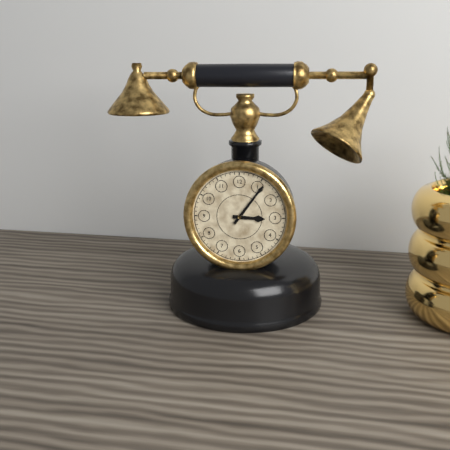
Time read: 3:06
